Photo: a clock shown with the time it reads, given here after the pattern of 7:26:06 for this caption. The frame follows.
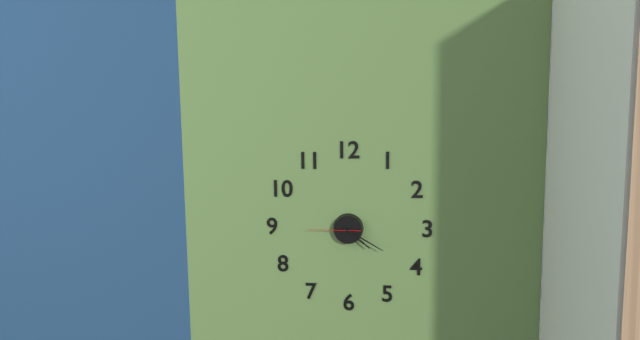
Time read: 4:20:45
